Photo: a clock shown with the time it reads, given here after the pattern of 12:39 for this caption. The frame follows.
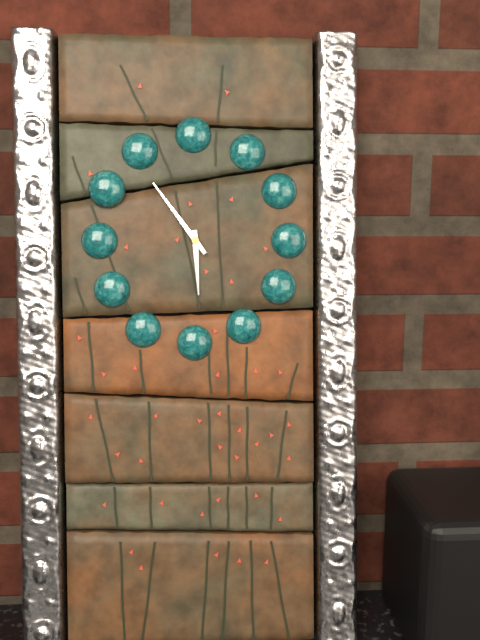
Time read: 5:54
